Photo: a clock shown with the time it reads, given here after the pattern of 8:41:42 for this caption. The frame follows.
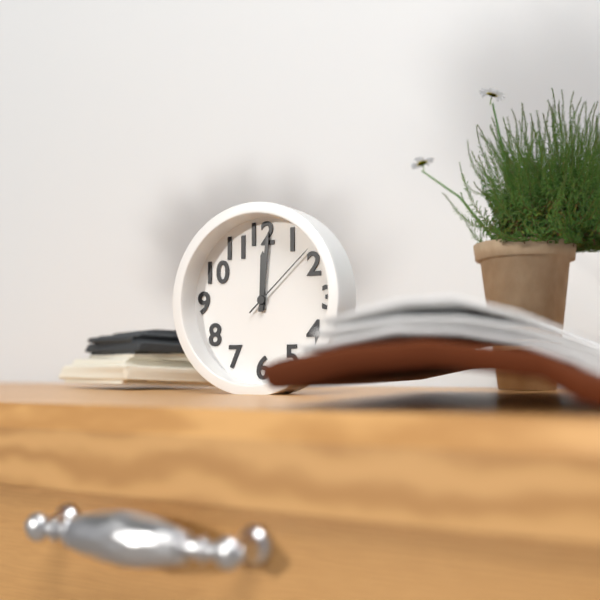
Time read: 12:01:08
